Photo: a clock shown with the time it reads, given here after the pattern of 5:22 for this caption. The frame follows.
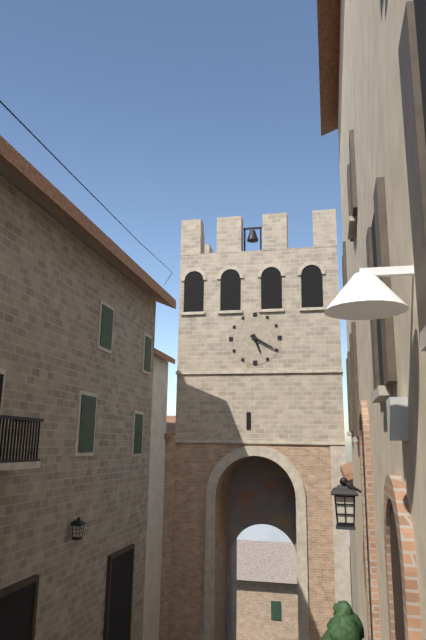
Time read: 5:20
